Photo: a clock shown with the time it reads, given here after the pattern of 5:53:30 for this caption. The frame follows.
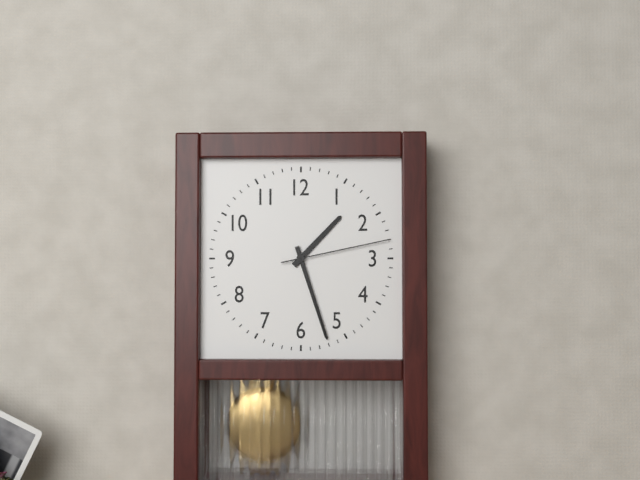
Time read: 1:27:13
